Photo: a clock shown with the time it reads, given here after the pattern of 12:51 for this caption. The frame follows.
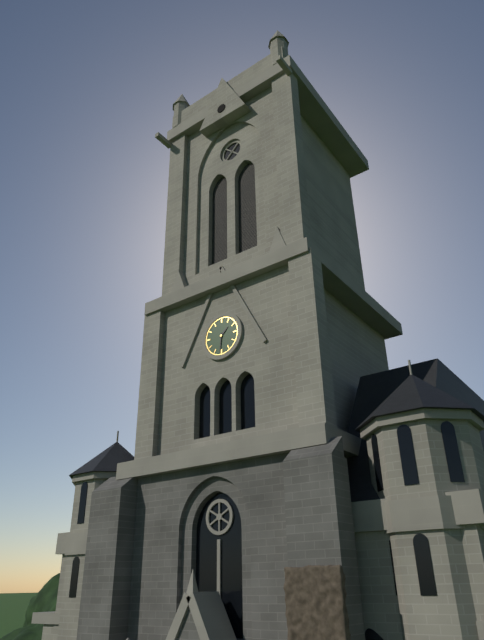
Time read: 1:31
